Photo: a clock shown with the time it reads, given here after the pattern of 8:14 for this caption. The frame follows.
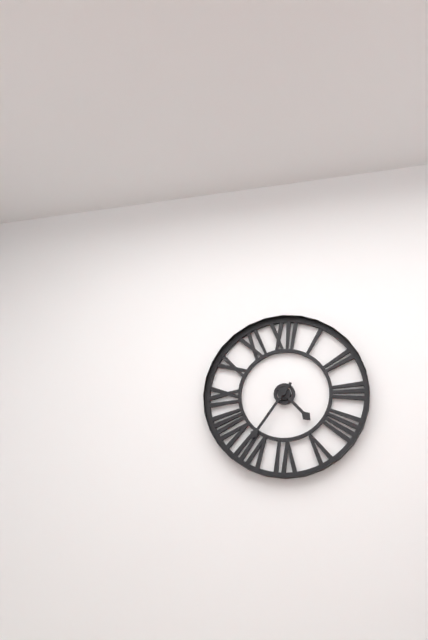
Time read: 4:36
